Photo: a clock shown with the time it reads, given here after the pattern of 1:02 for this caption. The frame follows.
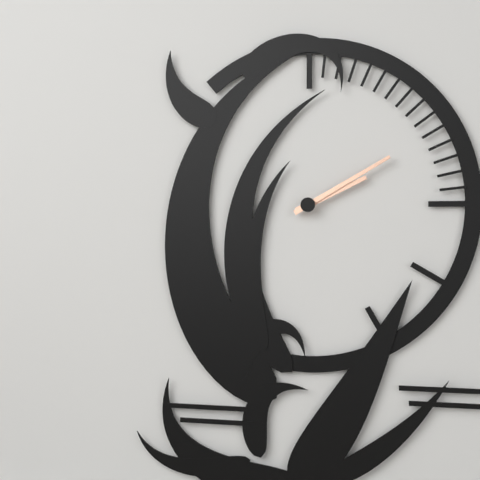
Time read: 2:10
